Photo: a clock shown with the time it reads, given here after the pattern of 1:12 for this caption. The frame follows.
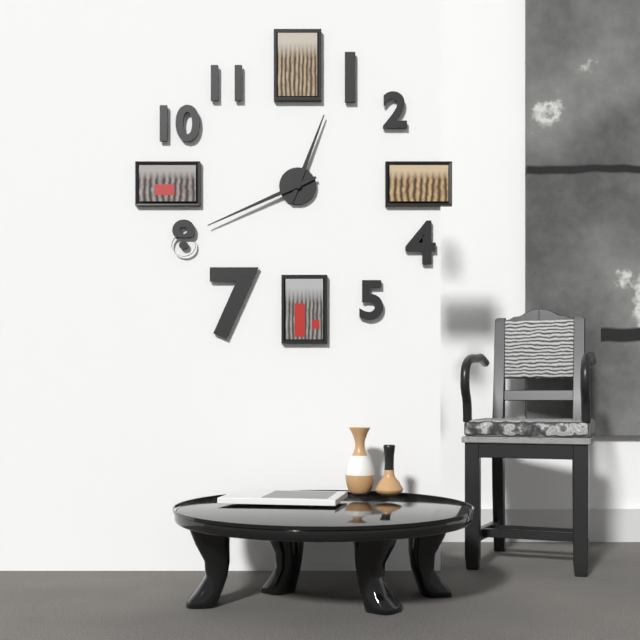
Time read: 12:41
